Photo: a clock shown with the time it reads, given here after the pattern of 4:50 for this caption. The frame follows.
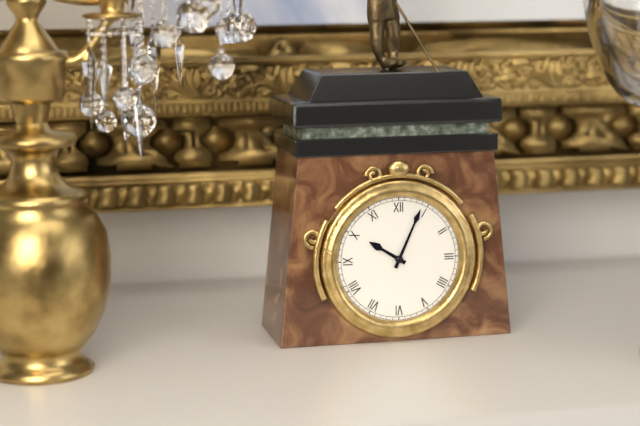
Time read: 10:04
